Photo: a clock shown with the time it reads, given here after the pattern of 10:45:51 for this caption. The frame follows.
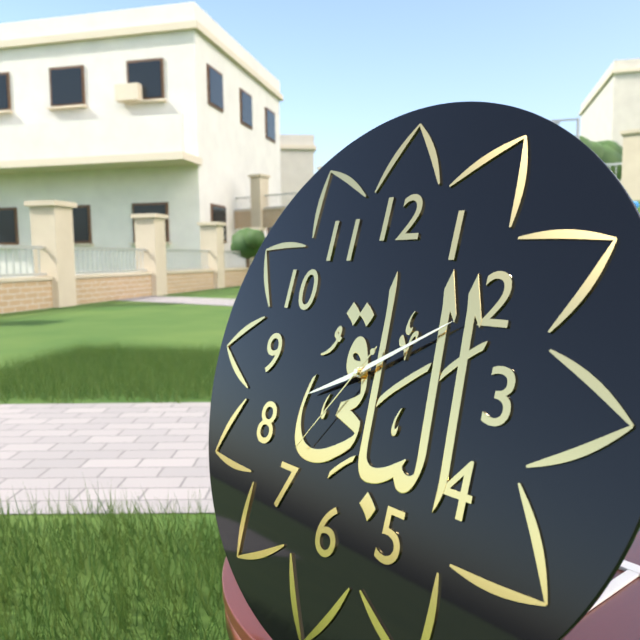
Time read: 8:10:36
